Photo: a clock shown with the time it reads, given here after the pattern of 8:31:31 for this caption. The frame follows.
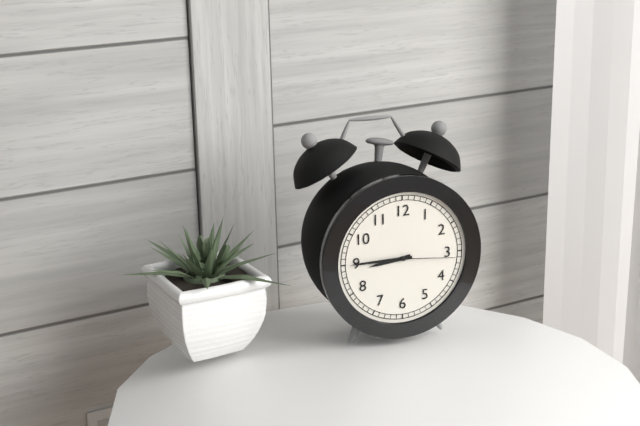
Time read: 8:45:16
